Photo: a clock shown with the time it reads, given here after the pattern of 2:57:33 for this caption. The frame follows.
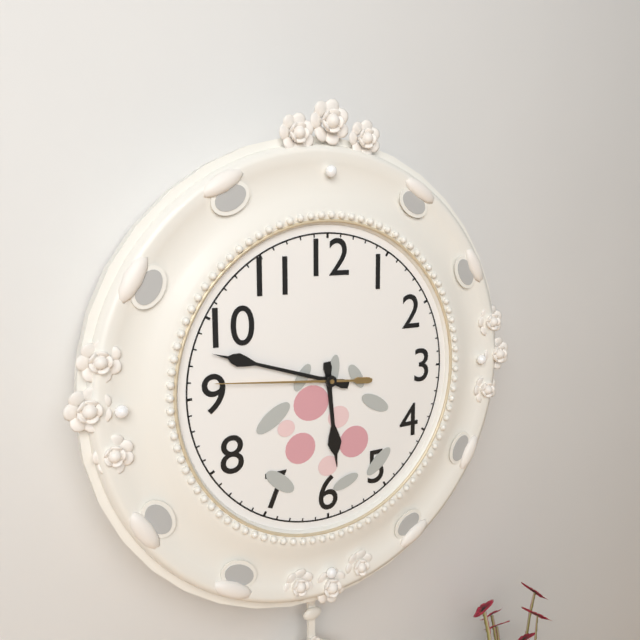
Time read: 5:48:46
